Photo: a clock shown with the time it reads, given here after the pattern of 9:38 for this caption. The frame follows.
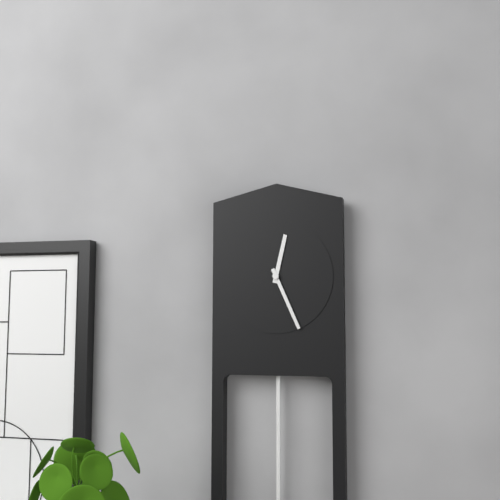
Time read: 12:26
